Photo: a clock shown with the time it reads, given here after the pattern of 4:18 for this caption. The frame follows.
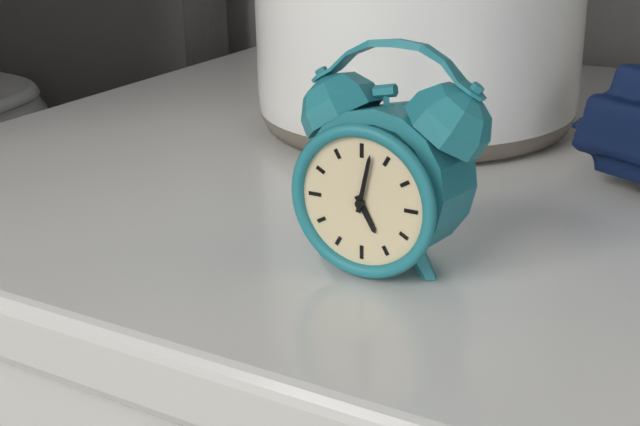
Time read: 5:02
